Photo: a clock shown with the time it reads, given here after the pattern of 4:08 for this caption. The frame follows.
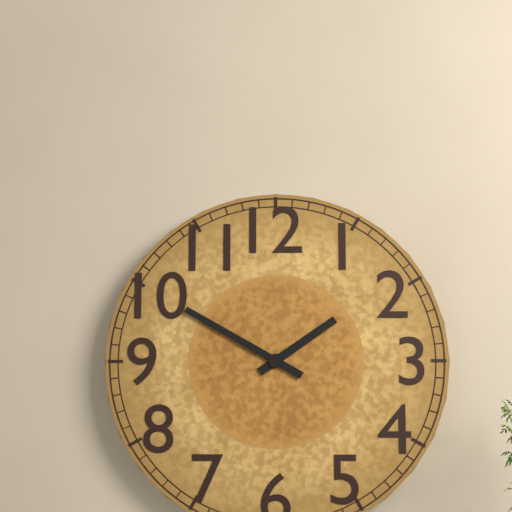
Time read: 1:50
